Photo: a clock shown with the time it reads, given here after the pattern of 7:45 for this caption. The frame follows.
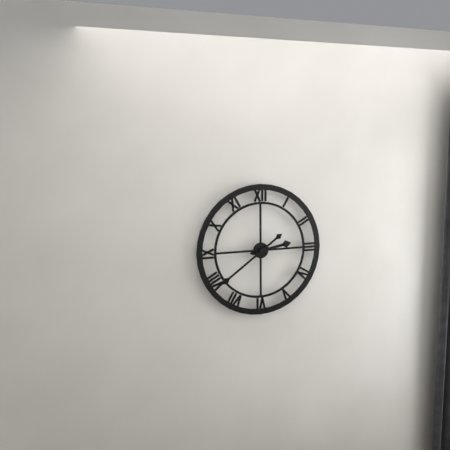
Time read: 2:39
